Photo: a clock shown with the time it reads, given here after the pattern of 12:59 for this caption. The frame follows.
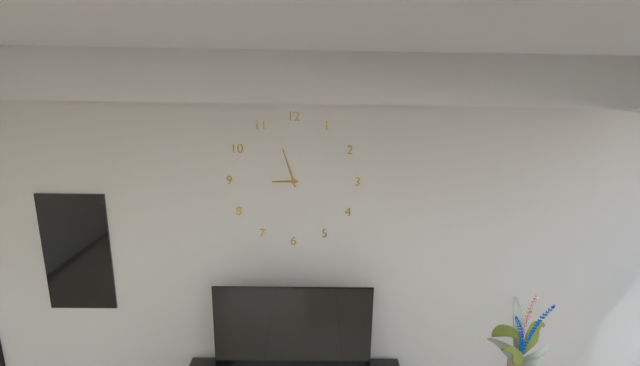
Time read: 8:57
